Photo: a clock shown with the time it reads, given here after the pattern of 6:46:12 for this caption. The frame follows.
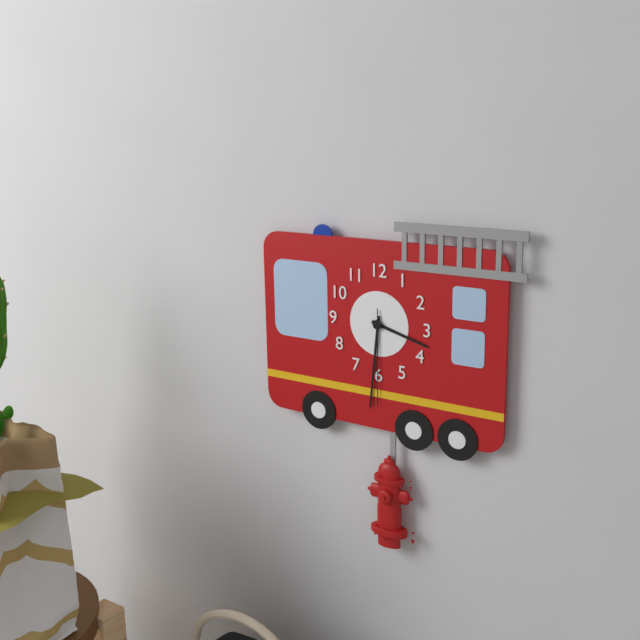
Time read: 3:31:30
